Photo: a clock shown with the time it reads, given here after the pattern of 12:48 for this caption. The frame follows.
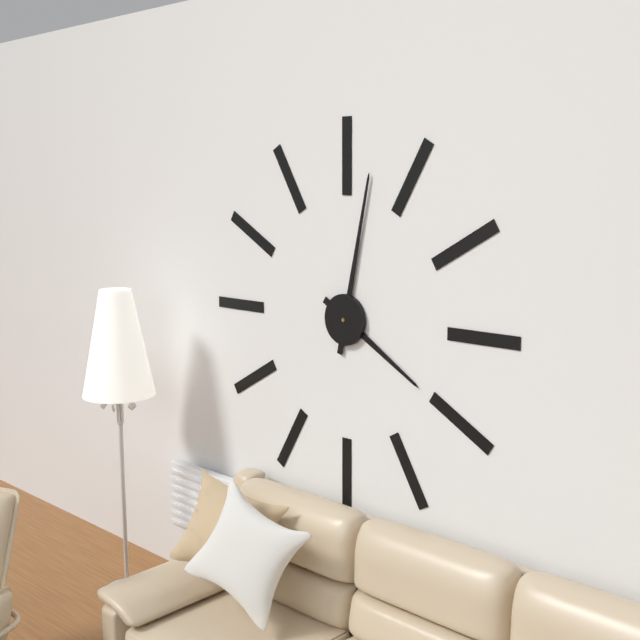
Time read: 4:02
